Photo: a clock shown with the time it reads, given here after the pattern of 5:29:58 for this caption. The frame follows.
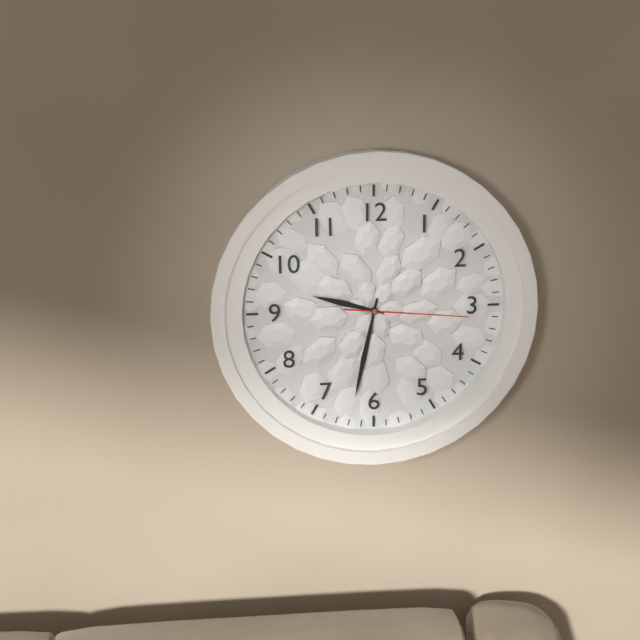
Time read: 9:32:16
